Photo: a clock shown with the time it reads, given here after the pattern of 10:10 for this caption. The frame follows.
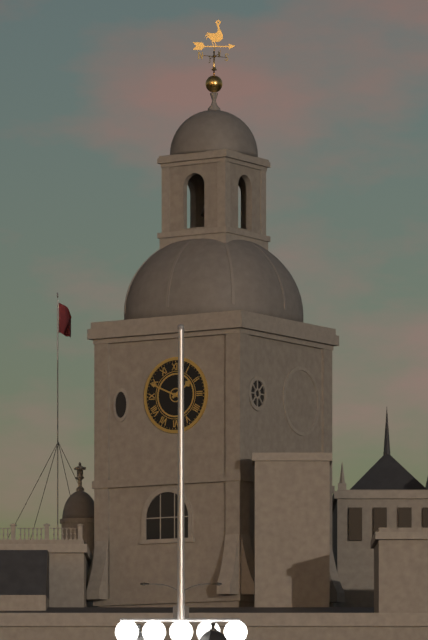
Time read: 1:49
